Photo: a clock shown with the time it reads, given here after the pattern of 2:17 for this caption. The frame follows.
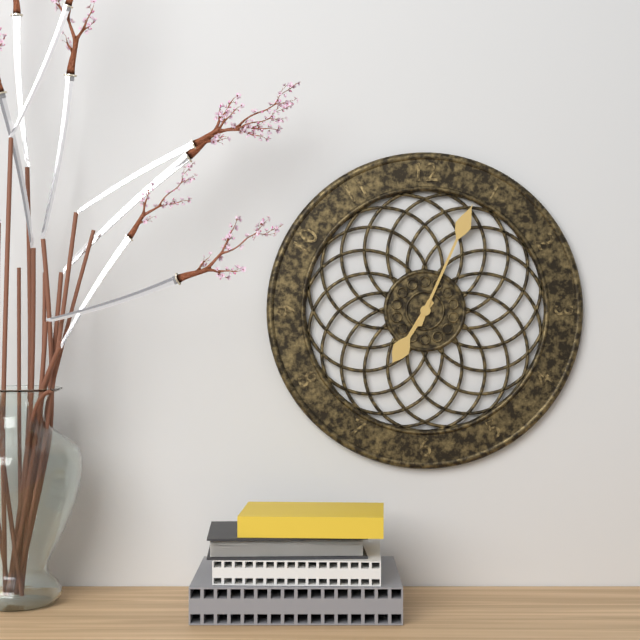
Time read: 7:04
